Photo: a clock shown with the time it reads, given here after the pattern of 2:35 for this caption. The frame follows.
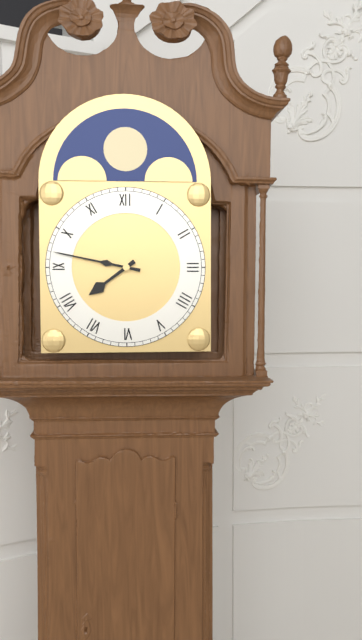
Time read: 7:47
